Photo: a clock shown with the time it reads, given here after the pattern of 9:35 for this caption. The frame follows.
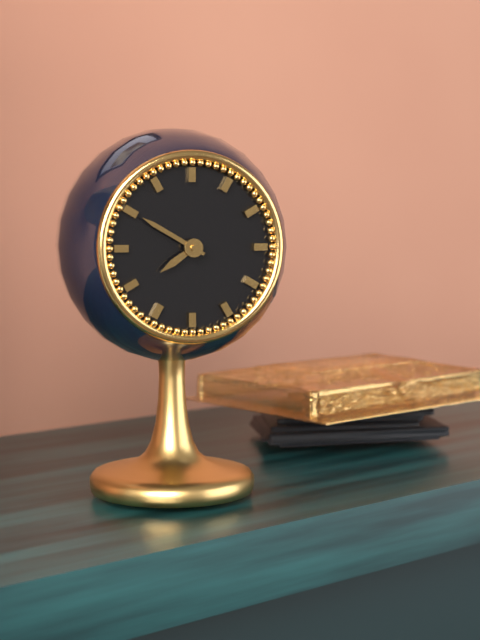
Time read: 7:50
